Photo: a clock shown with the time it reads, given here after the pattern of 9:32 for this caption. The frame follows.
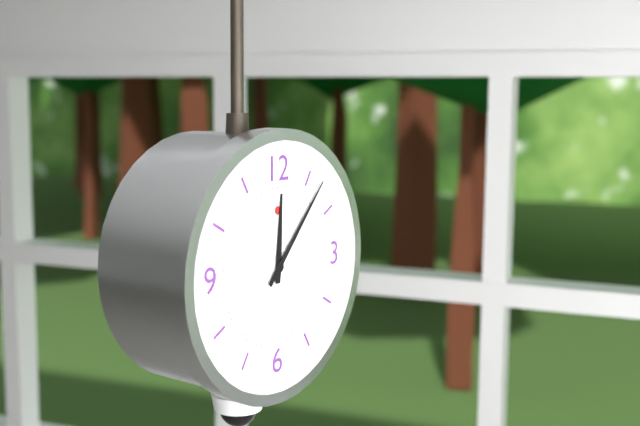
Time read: 12:07
